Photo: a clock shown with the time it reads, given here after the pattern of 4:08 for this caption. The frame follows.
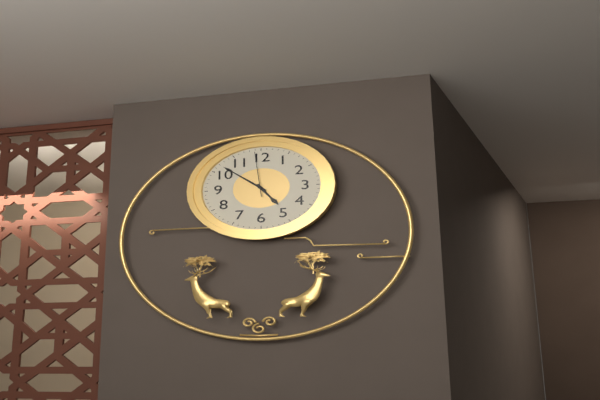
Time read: 4:52
